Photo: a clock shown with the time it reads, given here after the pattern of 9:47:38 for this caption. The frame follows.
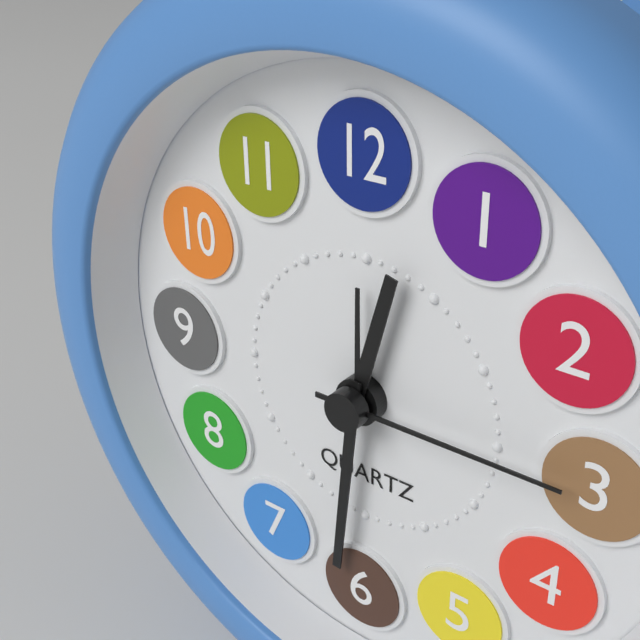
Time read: 12:31:15
